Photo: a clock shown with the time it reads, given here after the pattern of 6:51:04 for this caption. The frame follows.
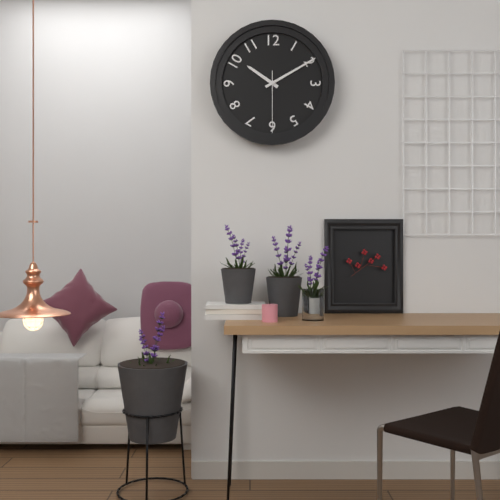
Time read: 10:10:30
